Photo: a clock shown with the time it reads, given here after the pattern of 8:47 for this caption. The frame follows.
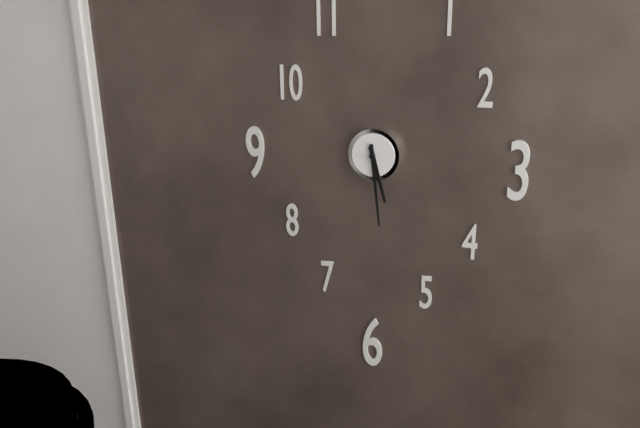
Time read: 5:29
